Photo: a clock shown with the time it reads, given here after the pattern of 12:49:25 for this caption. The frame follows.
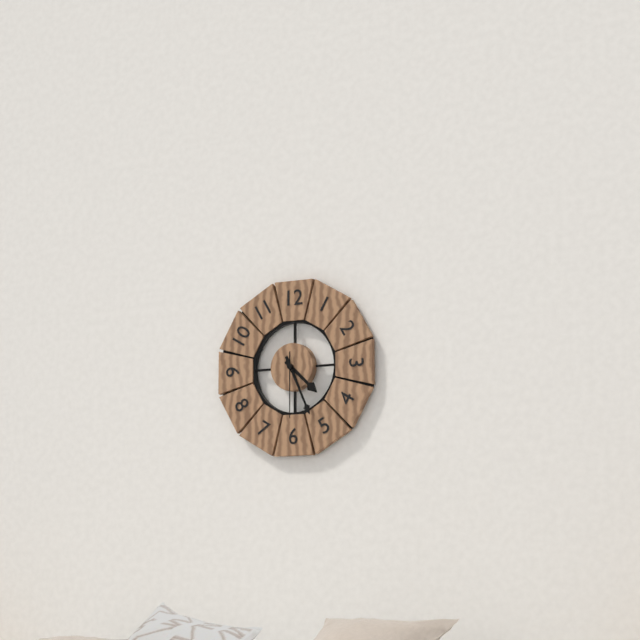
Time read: 4:26:30
